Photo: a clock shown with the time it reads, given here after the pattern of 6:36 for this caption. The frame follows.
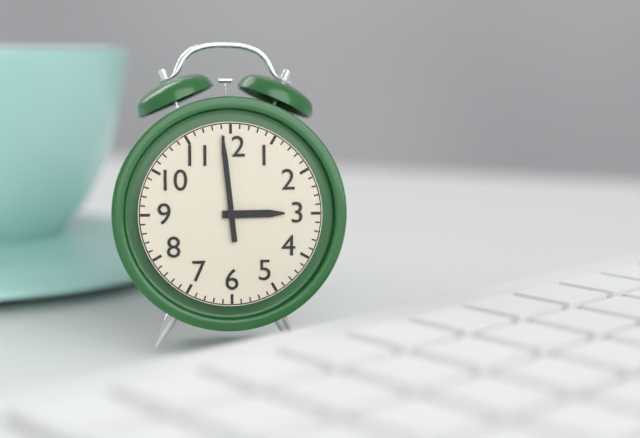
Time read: 2:59
